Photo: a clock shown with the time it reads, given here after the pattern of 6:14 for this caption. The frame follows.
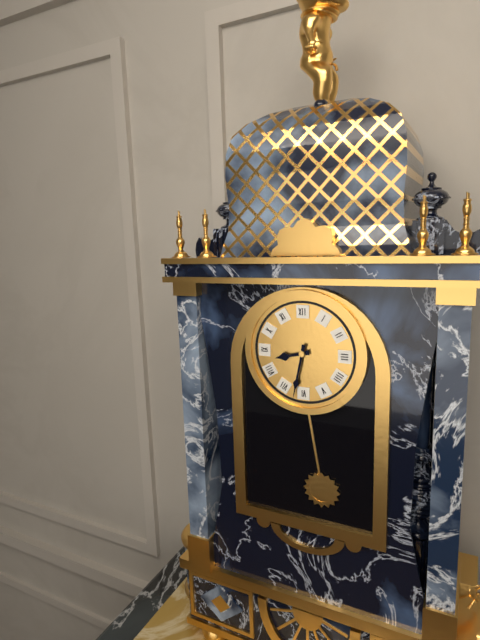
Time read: 8:32
